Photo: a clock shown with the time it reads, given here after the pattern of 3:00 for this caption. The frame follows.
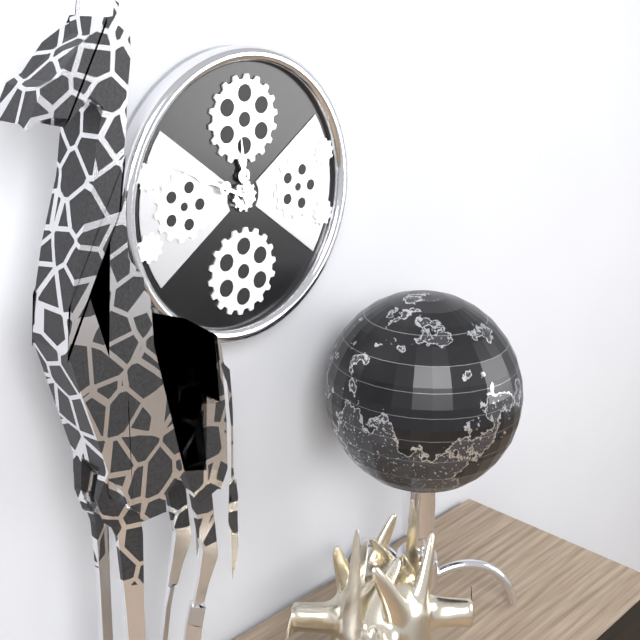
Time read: 11:49
